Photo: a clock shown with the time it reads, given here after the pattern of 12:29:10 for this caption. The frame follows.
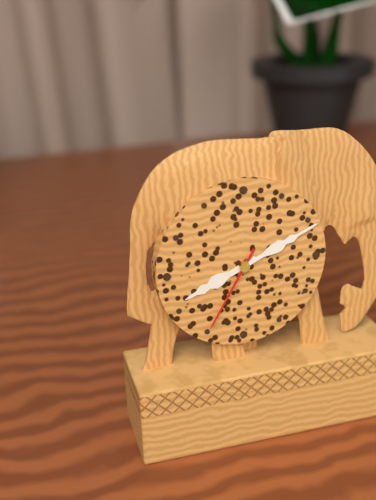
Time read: 8:11:35
